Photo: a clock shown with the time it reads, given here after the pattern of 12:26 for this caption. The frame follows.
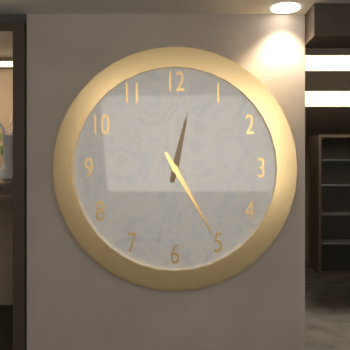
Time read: 12:25
